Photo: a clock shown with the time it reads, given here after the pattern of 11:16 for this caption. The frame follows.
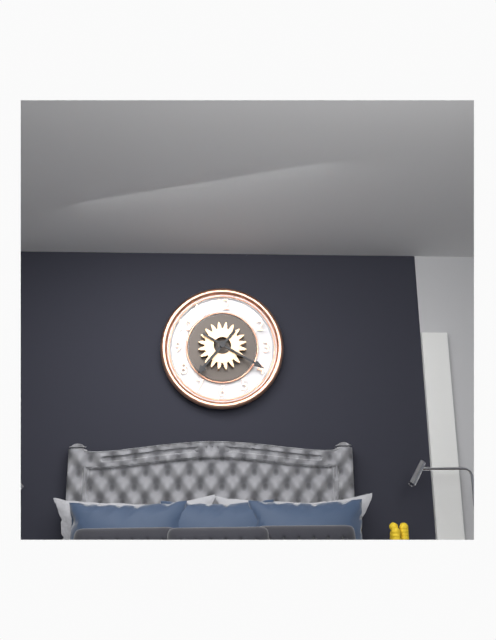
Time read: 7:20
